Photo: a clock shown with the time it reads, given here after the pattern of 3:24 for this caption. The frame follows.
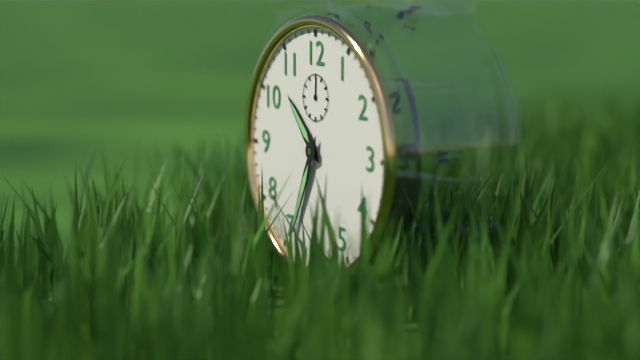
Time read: 10:34
